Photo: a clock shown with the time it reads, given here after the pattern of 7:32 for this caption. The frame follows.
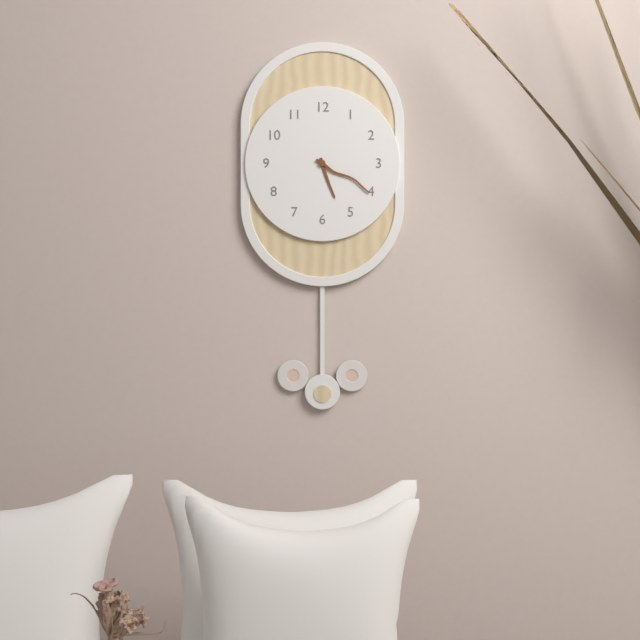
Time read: 5:20
